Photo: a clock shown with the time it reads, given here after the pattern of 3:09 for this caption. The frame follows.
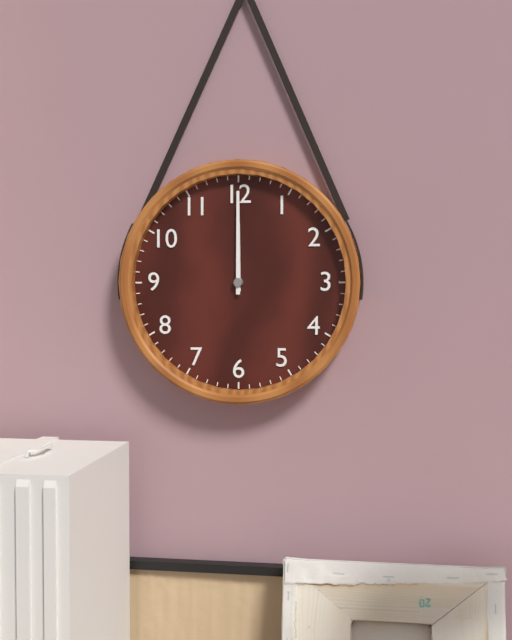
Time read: 12:00
